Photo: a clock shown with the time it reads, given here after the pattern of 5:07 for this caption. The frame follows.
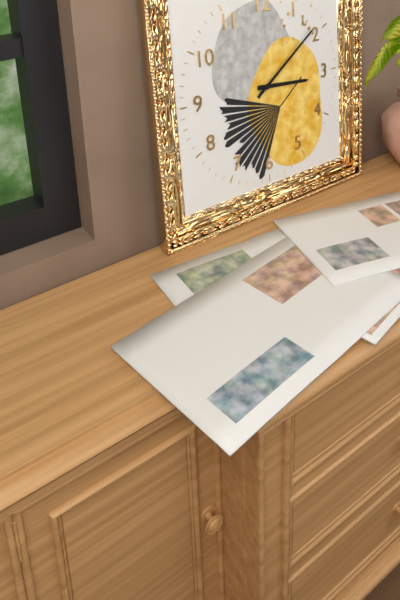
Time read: 3:09
